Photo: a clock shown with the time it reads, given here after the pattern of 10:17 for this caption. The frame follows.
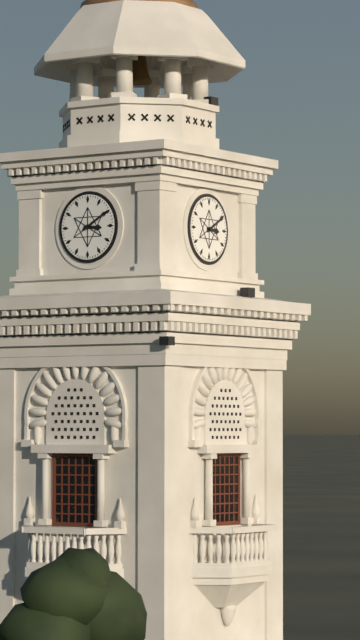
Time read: 3:10
